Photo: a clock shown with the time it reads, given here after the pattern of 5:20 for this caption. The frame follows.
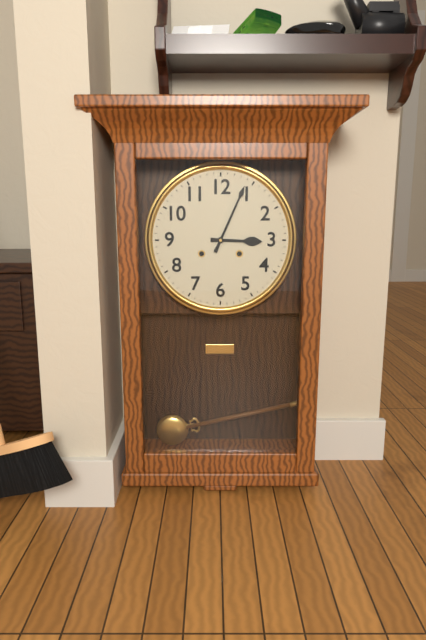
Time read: 3:04
